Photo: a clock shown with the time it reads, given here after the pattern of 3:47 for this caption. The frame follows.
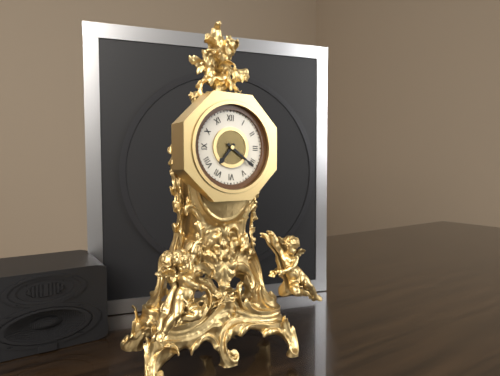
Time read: 7:21
